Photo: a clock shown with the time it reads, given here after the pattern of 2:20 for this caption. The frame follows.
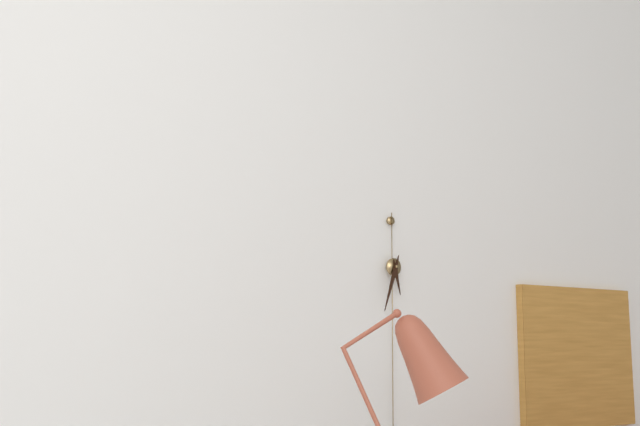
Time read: 5:33
